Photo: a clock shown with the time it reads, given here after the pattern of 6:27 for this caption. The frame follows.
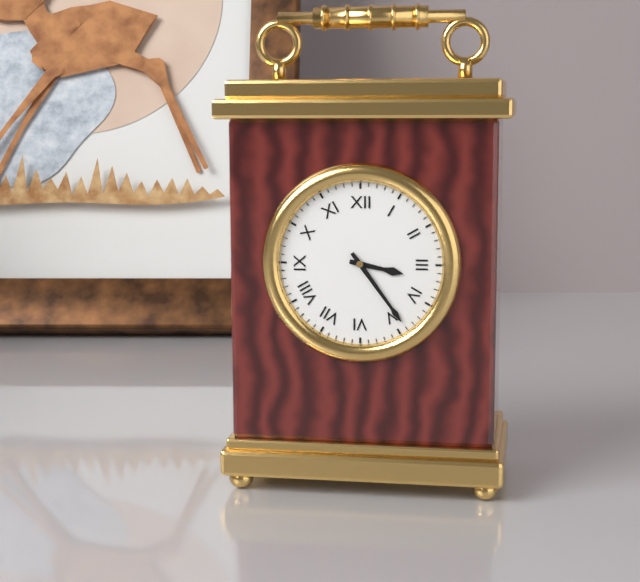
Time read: 3:24
